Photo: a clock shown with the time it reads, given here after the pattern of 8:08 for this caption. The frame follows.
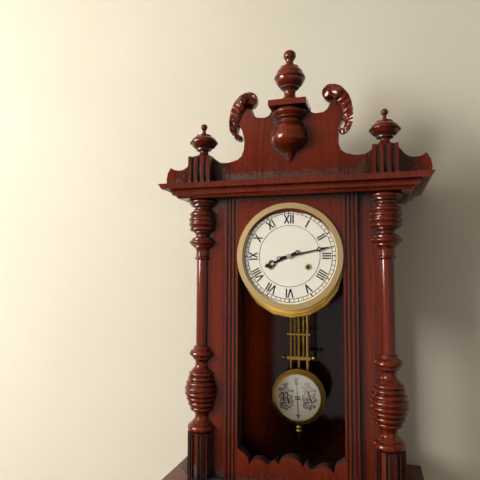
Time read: 8:13
